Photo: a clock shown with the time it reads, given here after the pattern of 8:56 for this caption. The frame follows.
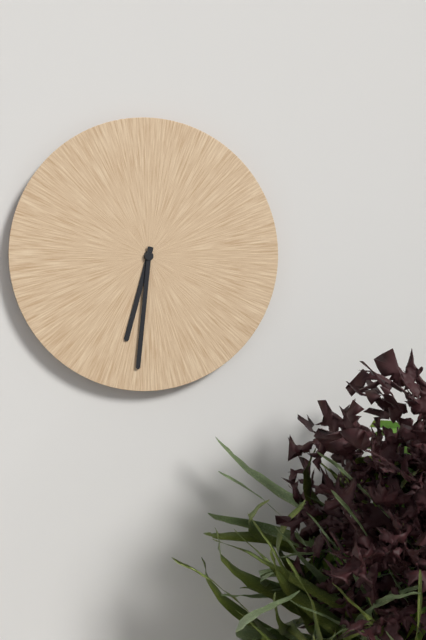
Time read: 6:31
